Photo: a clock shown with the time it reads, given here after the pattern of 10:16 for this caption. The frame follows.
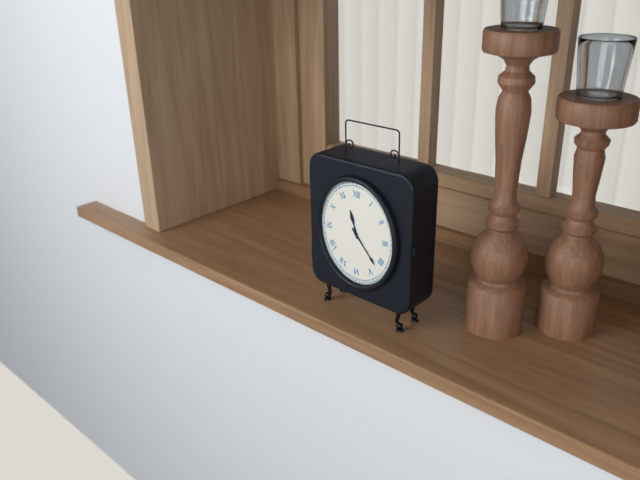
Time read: 11:23
